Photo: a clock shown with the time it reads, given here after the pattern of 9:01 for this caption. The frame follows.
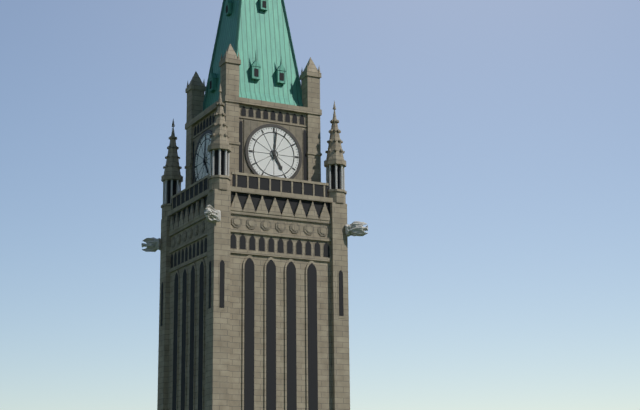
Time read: 5:01
